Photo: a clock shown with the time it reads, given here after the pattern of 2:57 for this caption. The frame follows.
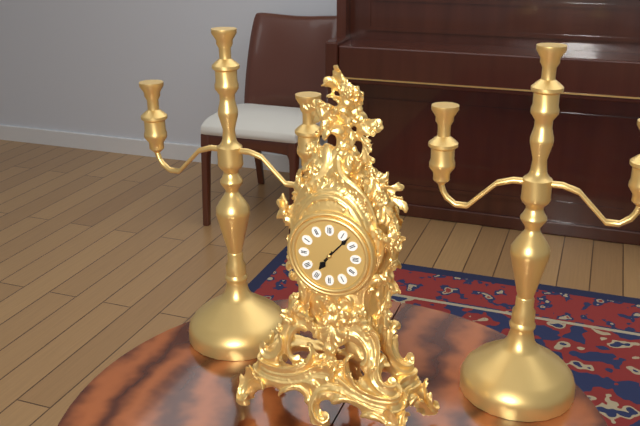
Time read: 7:07
